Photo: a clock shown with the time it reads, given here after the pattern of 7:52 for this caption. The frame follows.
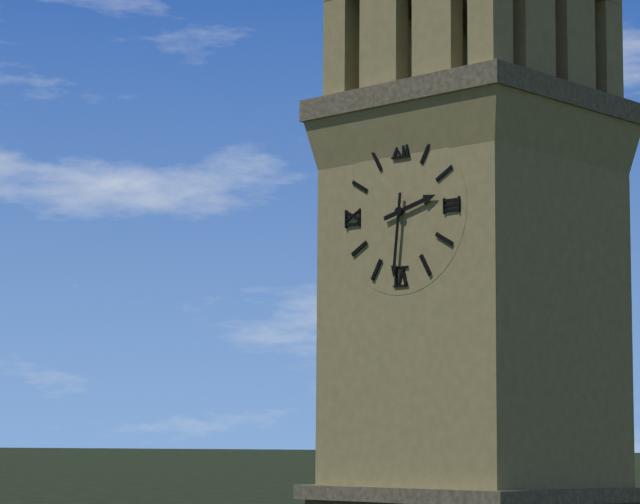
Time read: 2:31
